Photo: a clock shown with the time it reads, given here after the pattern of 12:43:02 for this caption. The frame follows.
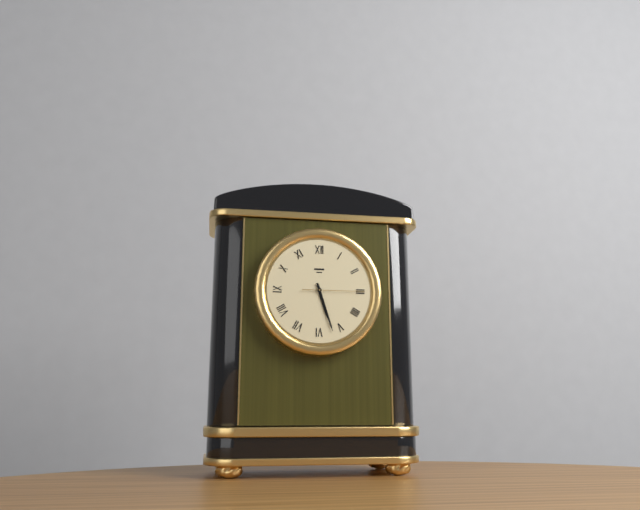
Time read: 5:27:15
